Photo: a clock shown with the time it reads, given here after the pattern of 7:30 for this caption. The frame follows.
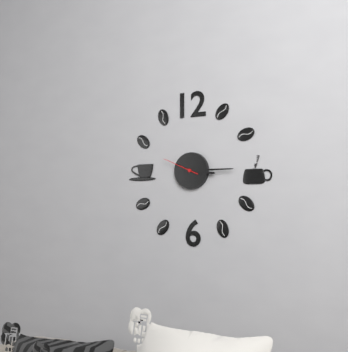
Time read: 3:15
